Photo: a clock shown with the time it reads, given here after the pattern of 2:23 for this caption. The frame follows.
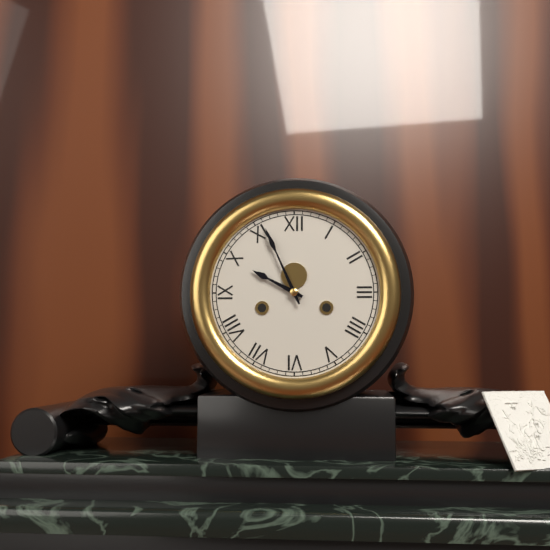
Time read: 9:56
